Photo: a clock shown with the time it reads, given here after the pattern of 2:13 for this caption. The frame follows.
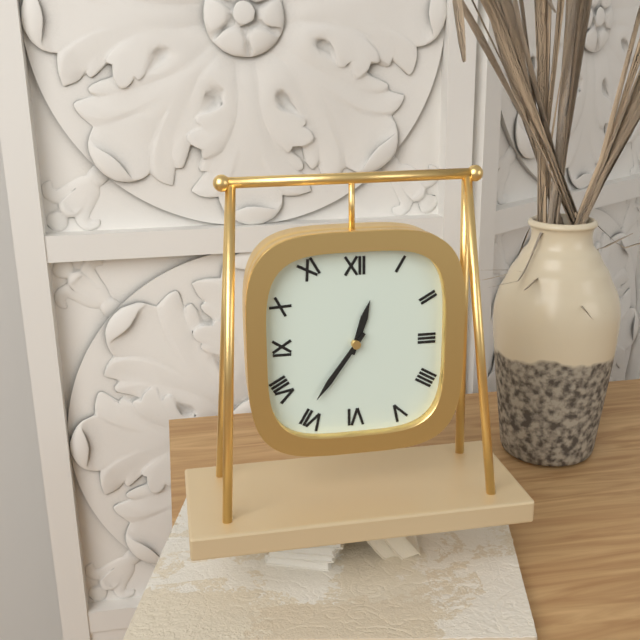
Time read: 12:36
